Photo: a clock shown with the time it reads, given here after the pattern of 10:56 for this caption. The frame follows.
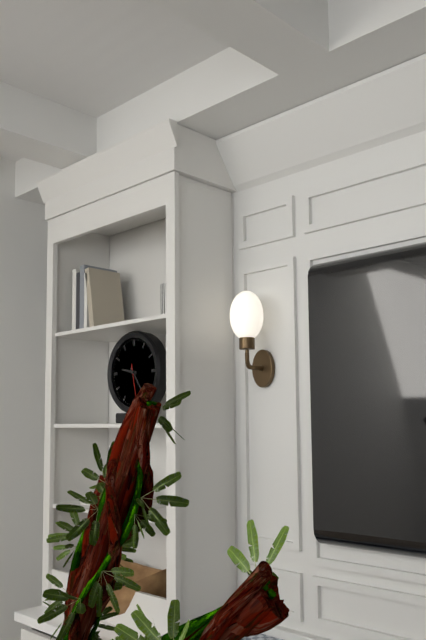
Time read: 9:24
